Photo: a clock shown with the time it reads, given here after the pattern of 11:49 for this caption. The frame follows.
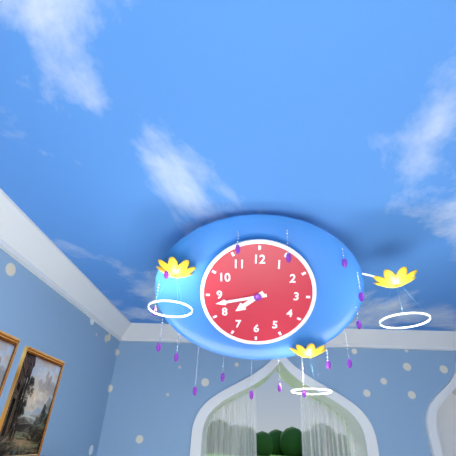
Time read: 7:43
